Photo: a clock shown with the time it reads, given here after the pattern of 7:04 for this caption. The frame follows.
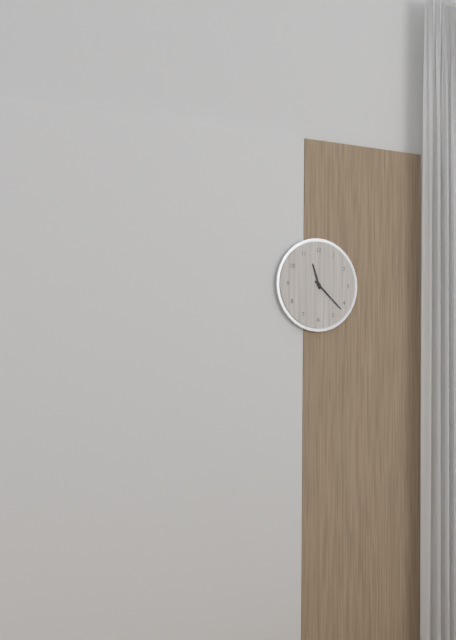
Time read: 11:22
